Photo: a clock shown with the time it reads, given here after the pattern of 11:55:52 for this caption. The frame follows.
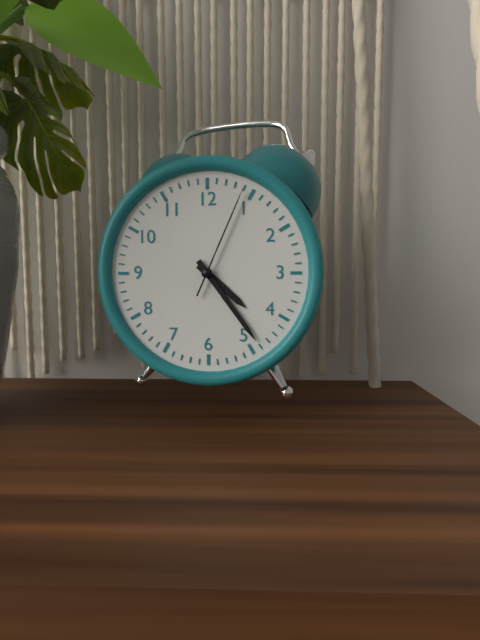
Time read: 4:24:04
